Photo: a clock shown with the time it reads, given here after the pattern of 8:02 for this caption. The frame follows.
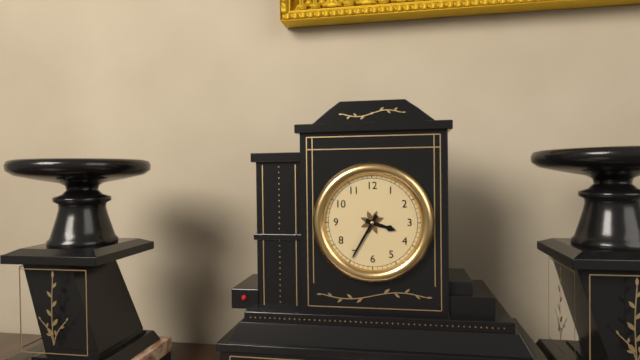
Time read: 3:35
